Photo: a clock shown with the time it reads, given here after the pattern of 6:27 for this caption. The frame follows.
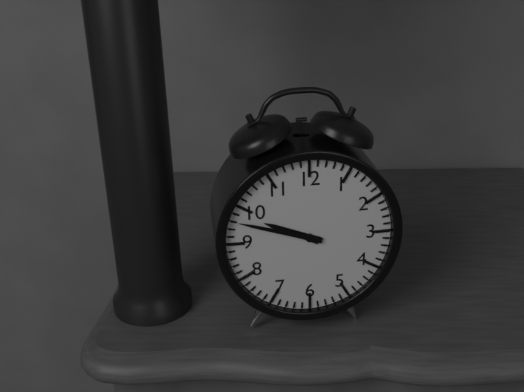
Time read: 9:48
